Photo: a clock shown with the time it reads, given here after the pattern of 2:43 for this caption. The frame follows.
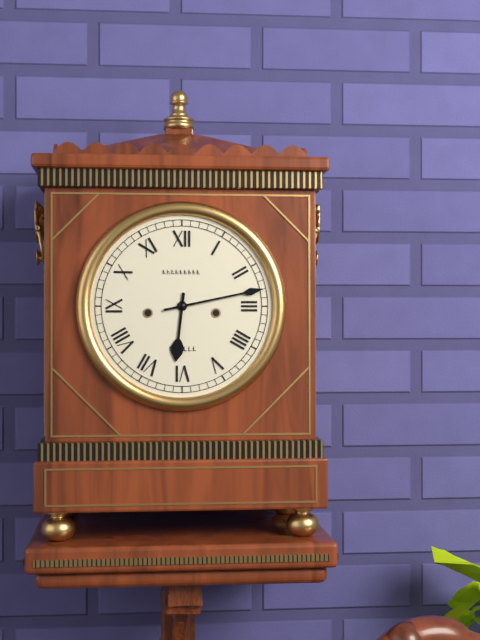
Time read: 6:13
